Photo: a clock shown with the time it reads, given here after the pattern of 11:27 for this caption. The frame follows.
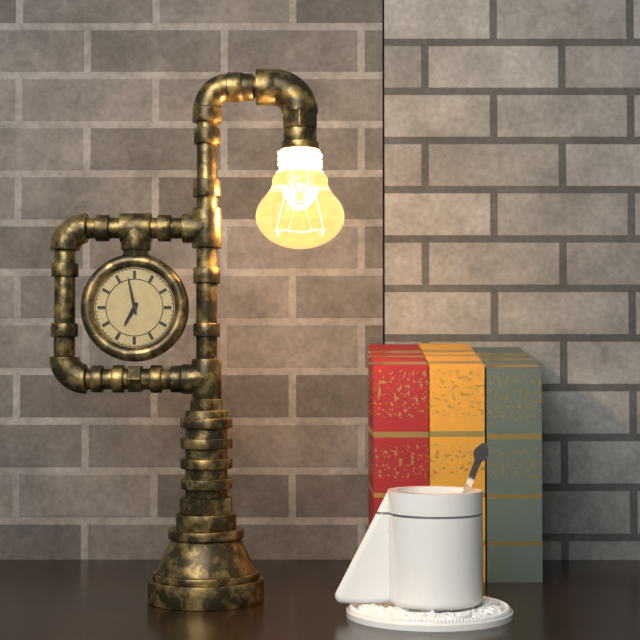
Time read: 6:58
